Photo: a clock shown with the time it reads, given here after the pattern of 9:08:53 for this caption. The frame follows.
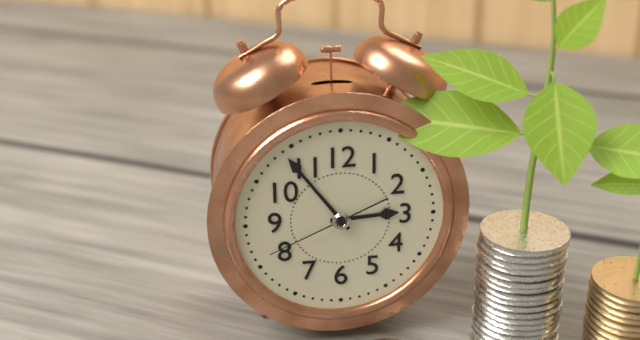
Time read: 2:54:41
